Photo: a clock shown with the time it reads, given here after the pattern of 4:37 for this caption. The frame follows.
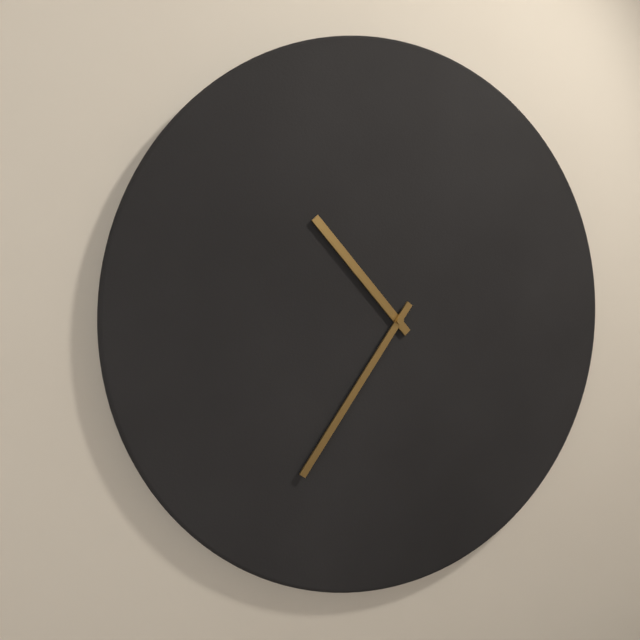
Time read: 10:36
